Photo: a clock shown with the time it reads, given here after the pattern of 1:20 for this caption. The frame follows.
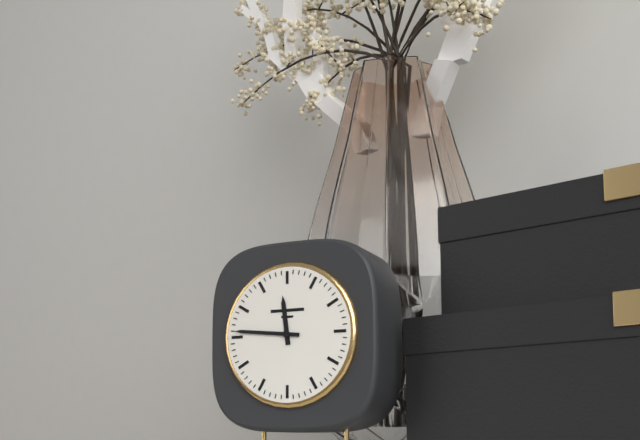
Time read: 11:46
